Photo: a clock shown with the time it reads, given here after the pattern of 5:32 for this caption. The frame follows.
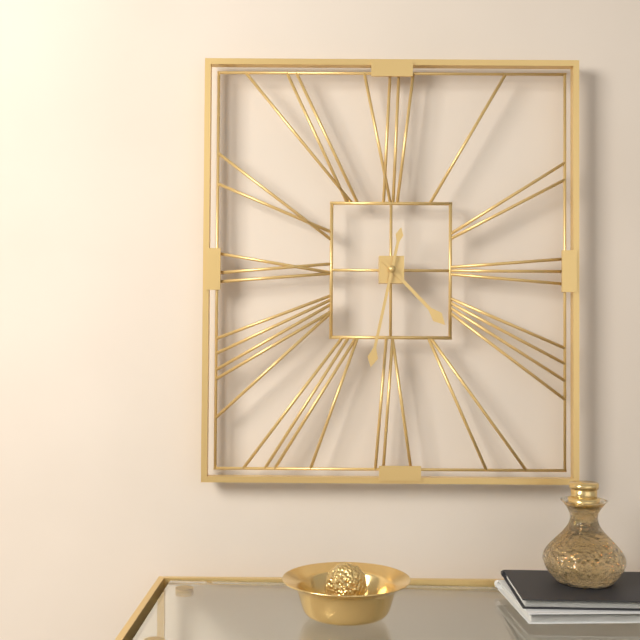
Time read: 4:32
